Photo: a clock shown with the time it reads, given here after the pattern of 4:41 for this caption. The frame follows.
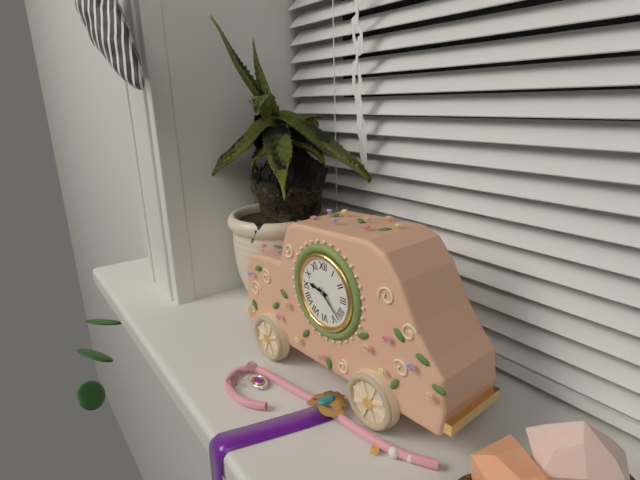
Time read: 9:22
